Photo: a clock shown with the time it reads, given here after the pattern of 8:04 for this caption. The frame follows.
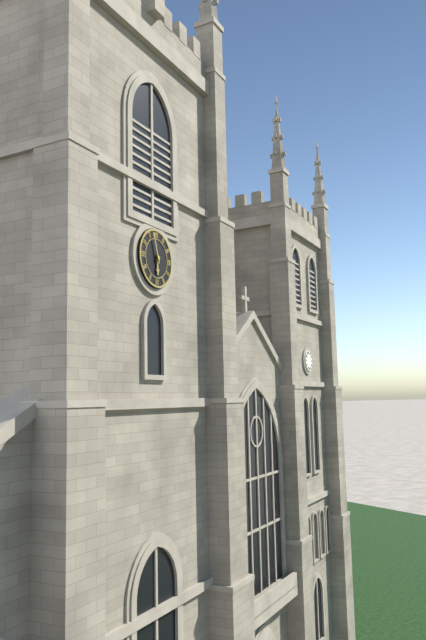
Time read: 5:57
